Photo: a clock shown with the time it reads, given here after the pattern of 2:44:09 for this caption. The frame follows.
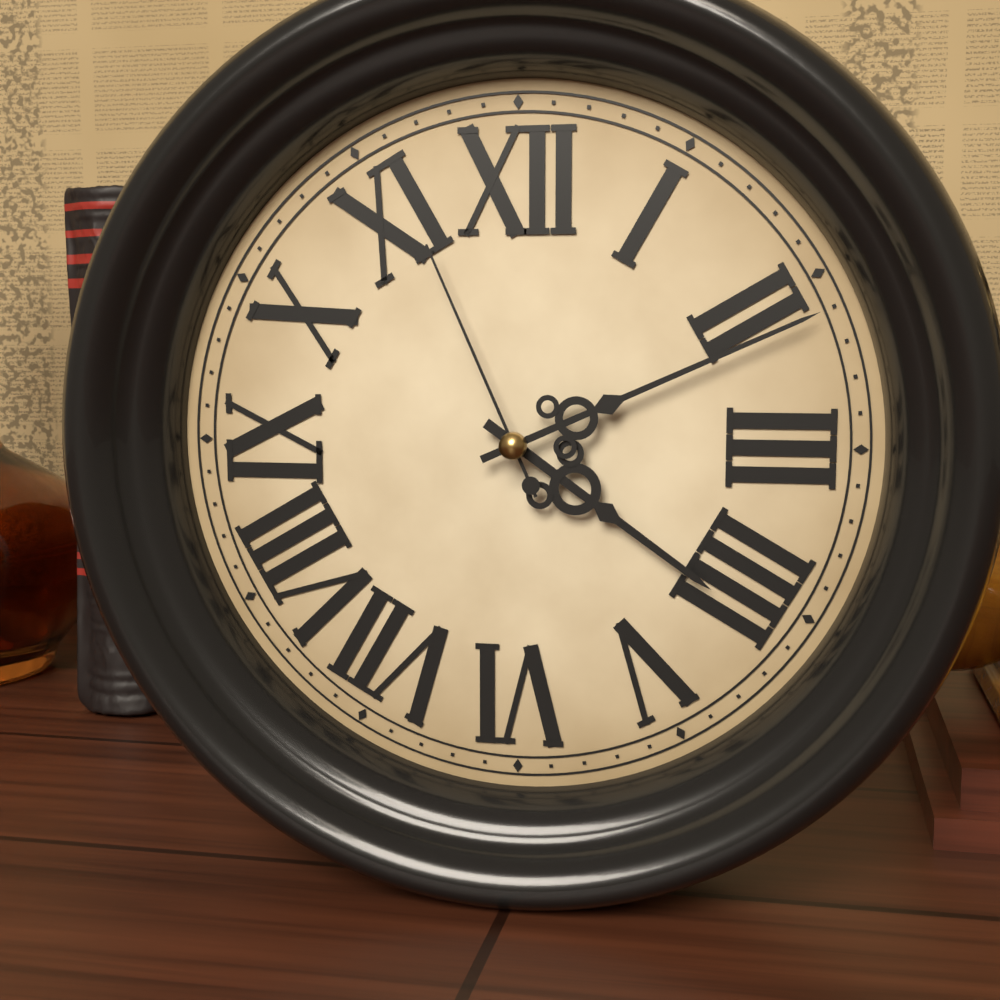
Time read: 4:11:56
